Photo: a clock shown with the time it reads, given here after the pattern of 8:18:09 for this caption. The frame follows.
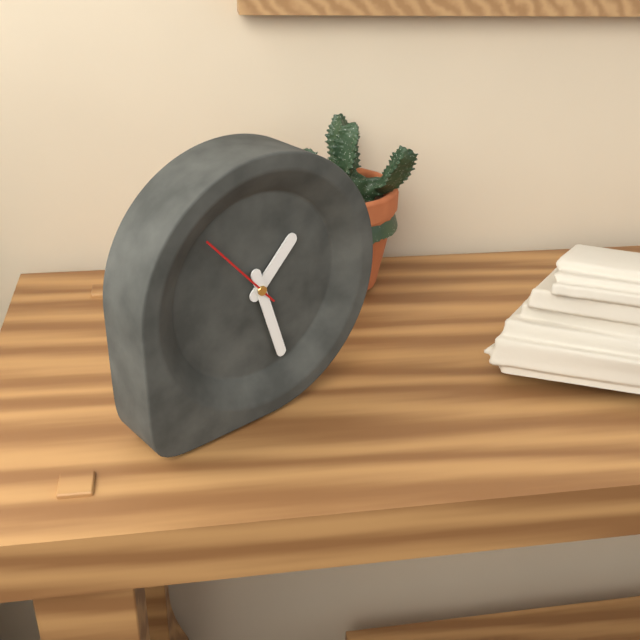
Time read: 1:27:53
